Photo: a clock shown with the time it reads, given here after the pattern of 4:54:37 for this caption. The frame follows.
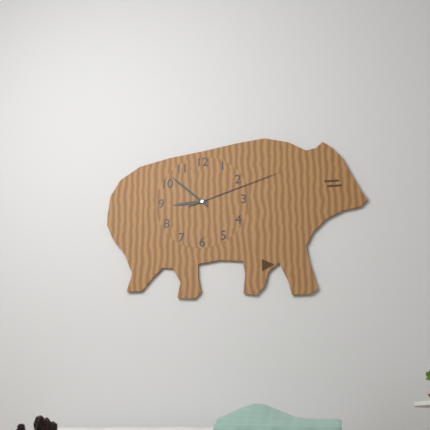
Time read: 8:52:12
